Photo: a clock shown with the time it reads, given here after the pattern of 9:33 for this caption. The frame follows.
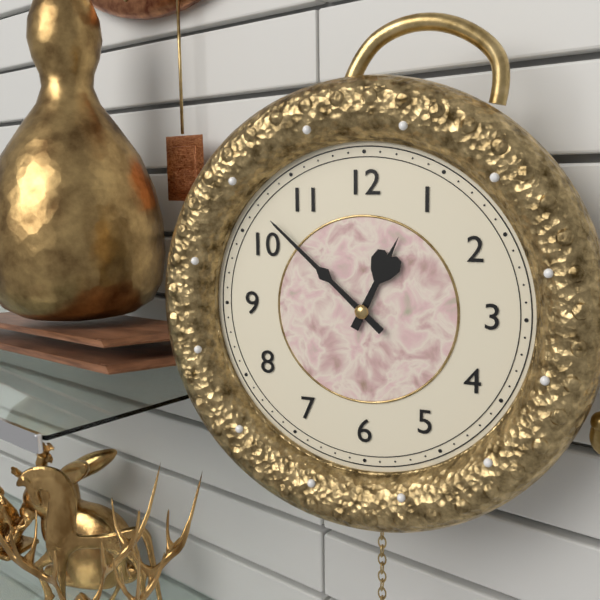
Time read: 12:52
